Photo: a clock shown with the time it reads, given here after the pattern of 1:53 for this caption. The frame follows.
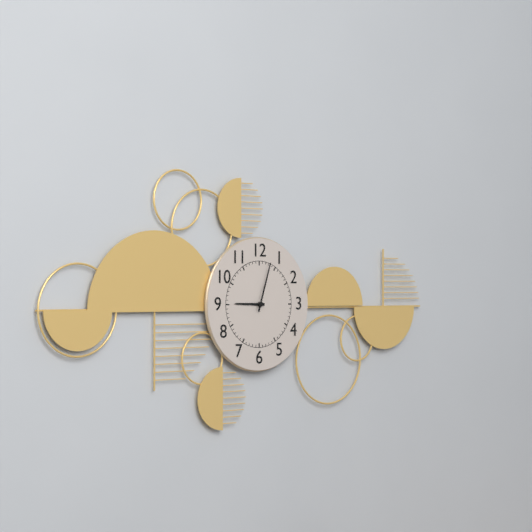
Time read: 9:03
